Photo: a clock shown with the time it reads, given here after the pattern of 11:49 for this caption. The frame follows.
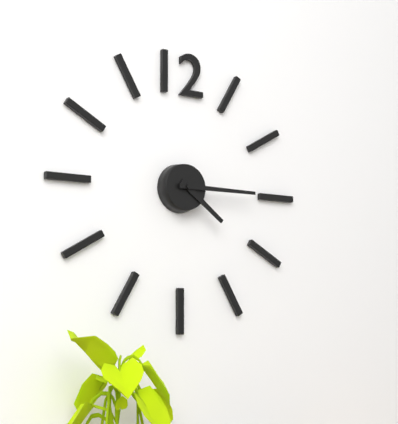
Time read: 4:15
